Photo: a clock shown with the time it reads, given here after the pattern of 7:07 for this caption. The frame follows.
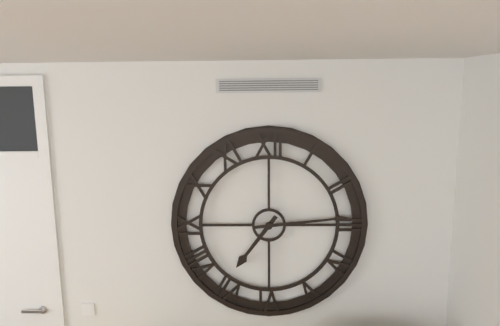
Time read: 7:14
